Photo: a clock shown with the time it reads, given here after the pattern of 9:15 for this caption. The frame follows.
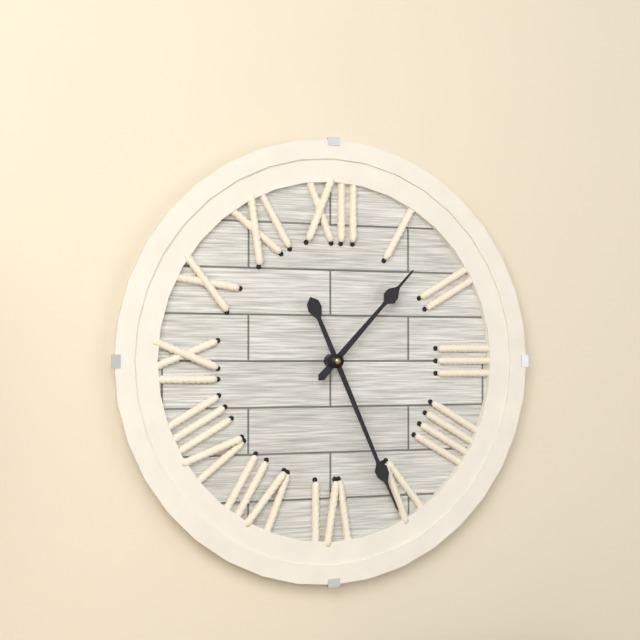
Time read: 1:26
